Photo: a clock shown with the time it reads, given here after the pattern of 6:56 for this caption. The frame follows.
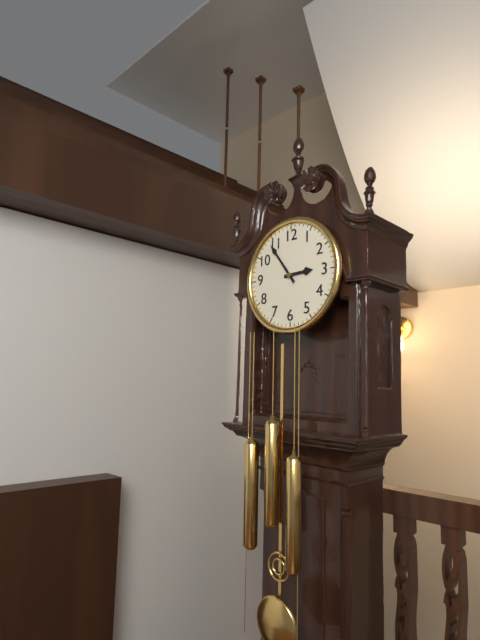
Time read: 2:54
